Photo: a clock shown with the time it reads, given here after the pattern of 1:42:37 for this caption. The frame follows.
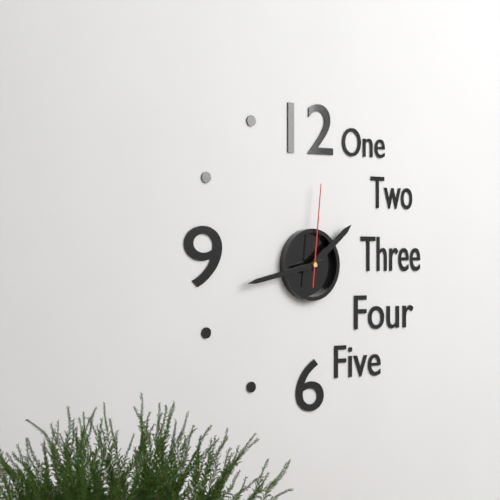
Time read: 1:43:01
